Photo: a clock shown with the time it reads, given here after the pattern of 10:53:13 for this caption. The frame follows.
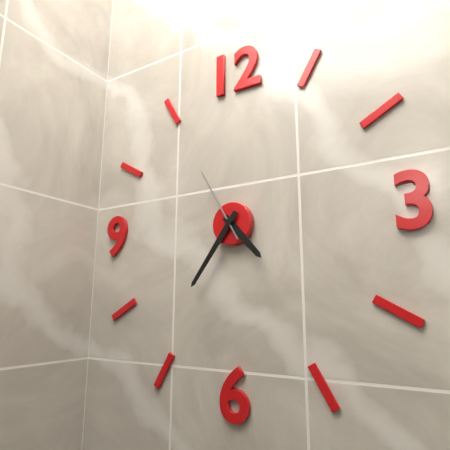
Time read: 4:36:55
